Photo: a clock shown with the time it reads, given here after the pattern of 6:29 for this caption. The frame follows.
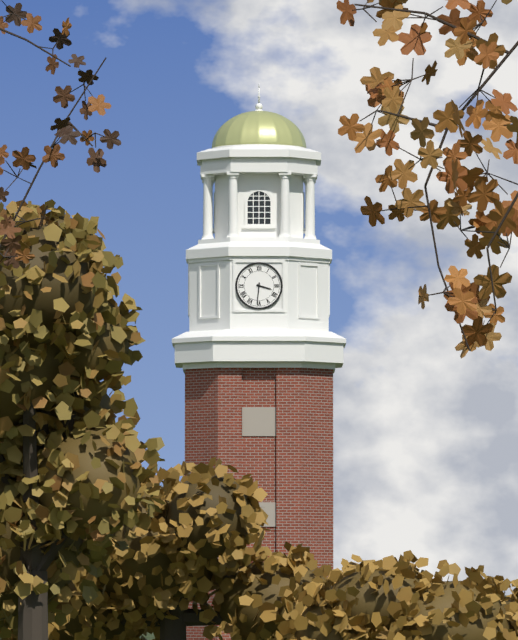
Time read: 3:31
